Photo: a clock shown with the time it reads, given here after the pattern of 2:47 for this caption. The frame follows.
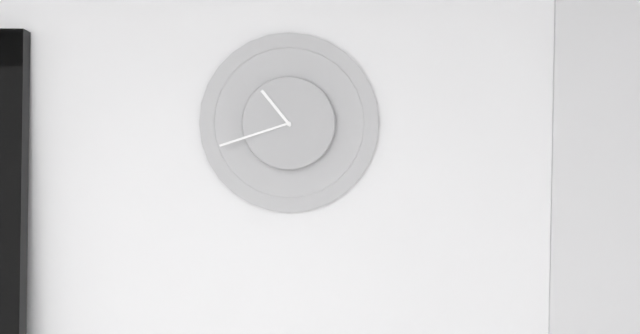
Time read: 10:42
